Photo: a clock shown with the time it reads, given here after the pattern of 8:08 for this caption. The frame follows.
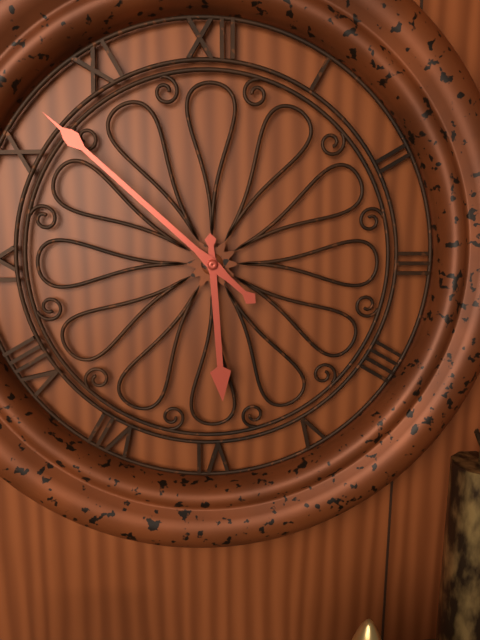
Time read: 5:52
